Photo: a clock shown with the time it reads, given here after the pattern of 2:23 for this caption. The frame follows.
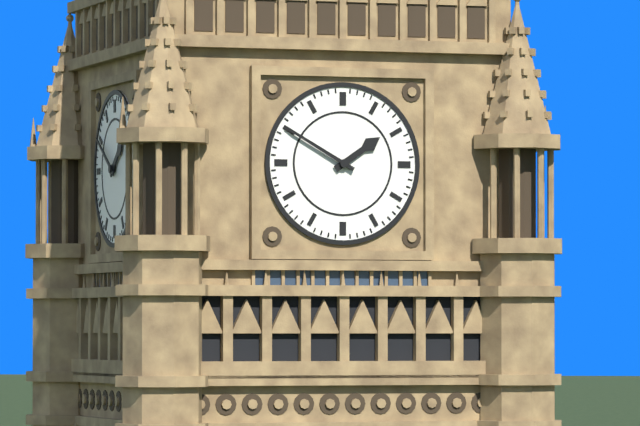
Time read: 1:50
